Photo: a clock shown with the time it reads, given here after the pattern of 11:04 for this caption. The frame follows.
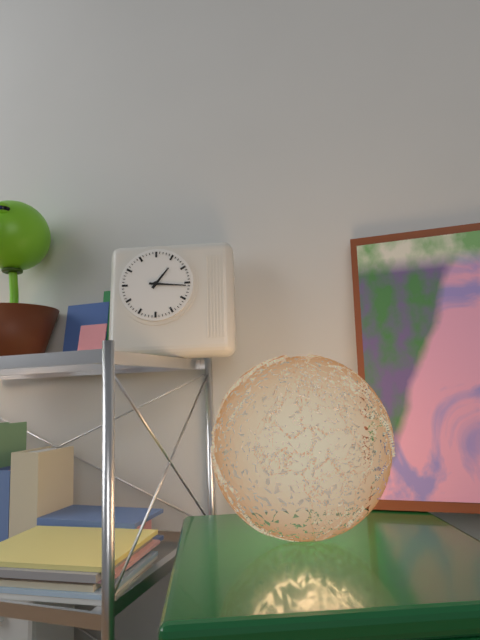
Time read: 1:16
